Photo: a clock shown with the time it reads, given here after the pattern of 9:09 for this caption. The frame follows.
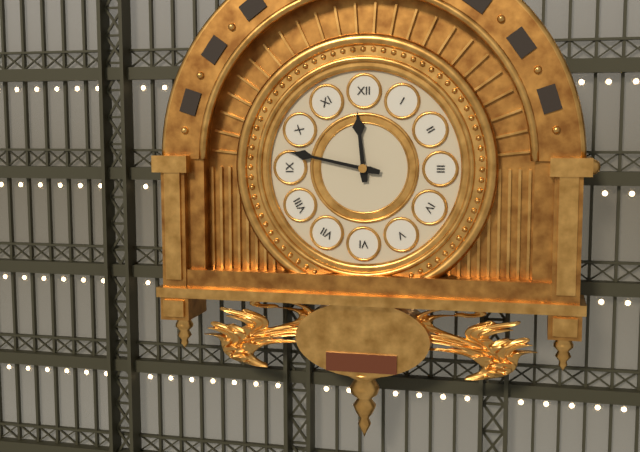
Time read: 11:47
